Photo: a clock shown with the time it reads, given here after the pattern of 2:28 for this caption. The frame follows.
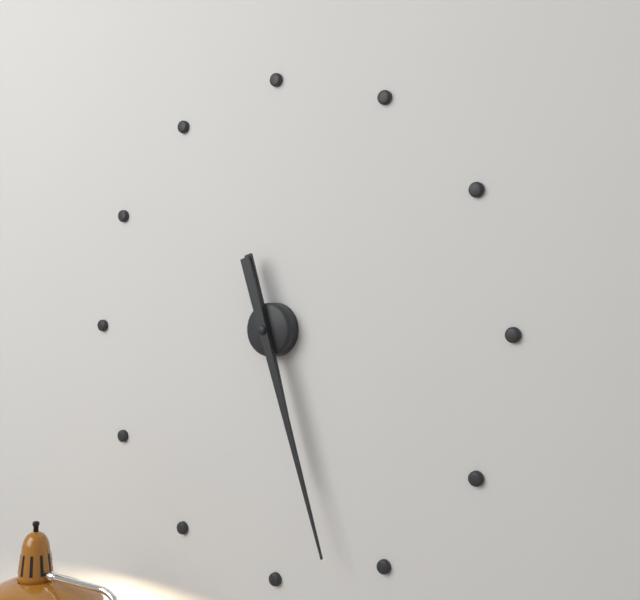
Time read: 5:27
